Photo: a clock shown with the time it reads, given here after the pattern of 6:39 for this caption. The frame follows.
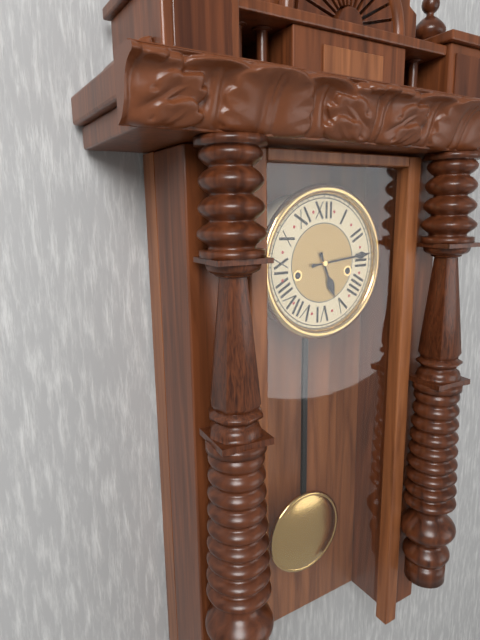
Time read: 5:14
